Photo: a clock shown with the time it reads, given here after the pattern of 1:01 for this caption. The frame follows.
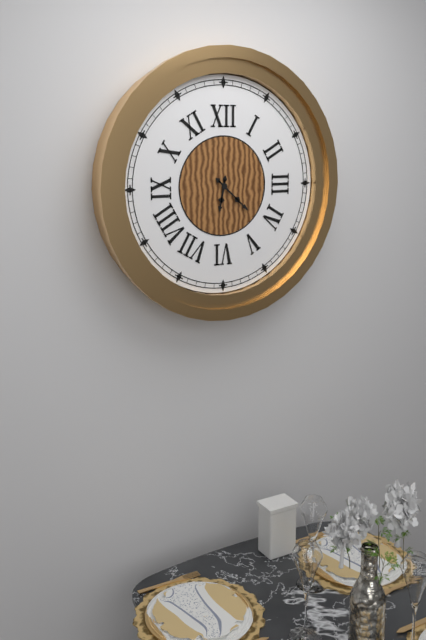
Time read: 6:22
